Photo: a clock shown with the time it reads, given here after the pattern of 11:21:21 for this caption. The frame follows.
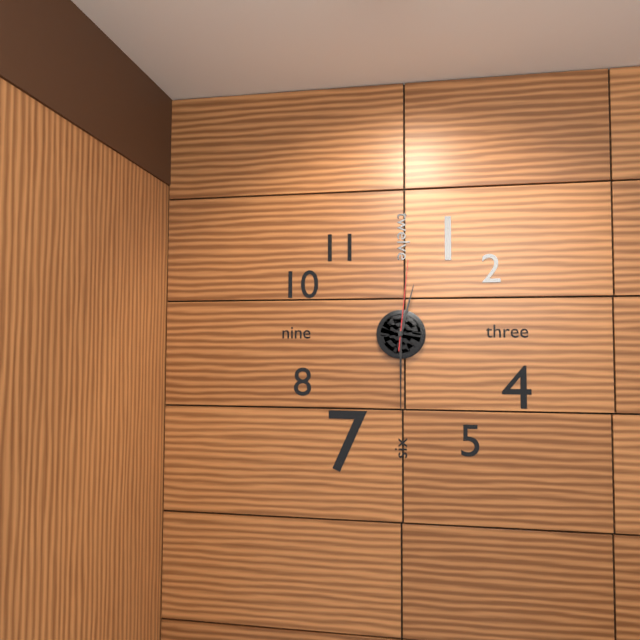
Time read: 12:30:01
